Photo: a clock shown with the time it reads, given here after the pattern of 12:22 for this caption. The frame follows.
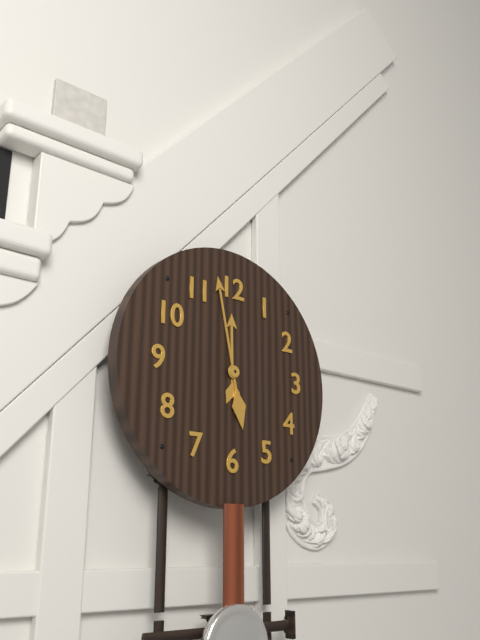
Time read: 11:58
